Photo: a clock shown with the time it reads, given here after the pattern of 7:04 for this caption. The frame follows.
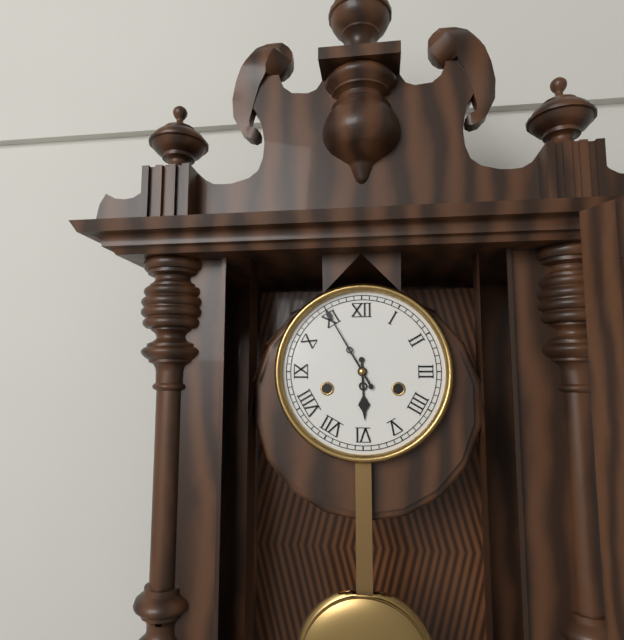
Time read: 5:55
